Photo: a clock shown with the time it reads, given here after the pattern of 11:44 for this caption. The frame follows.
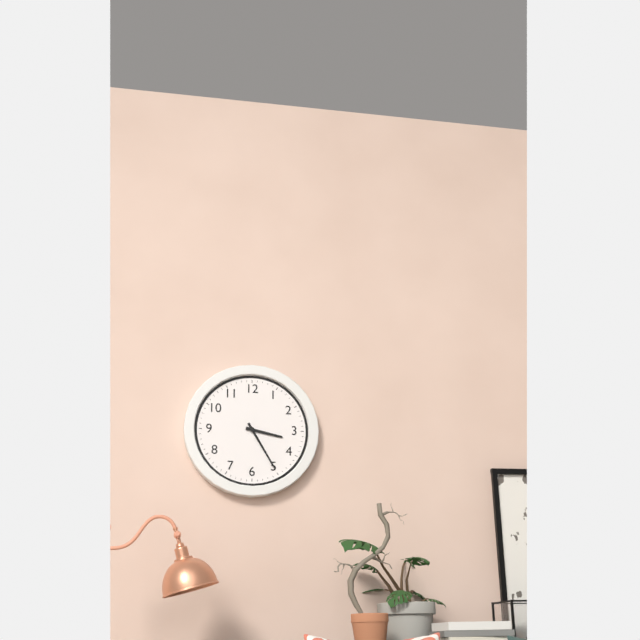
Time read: 3:25
